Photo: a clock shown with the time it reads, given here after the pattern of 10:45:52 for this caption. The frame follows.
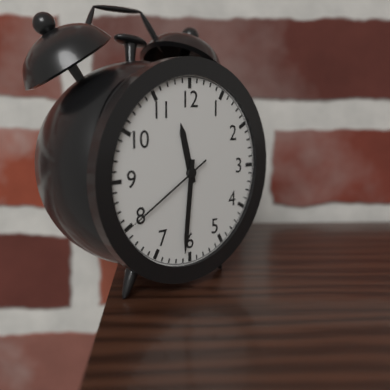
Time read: 11:31:40
